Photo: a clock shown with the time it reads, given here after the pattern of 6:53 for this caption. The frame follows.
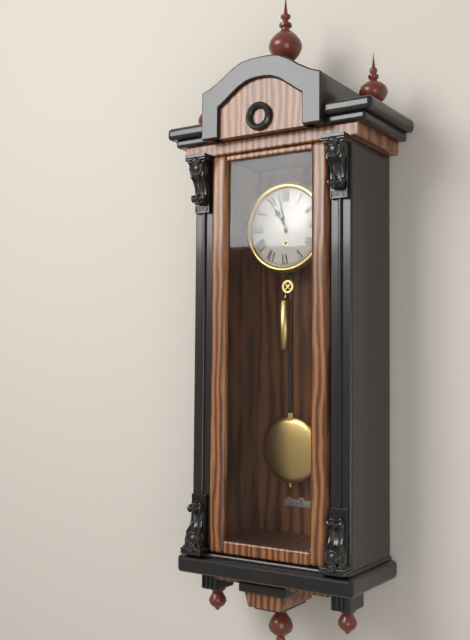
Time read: 10:58
